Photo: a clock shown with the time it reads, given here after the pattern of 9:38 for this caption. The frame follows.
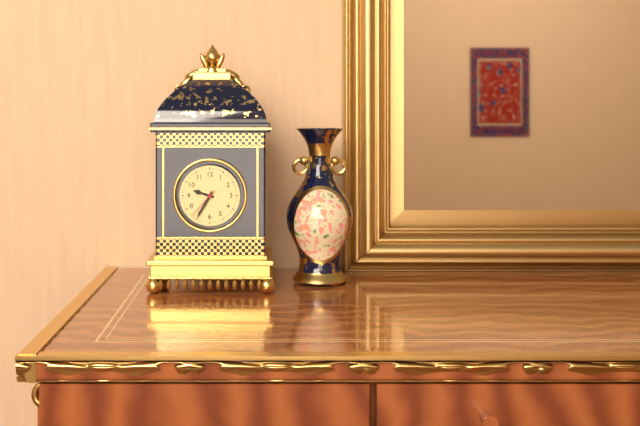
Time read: 9:35
